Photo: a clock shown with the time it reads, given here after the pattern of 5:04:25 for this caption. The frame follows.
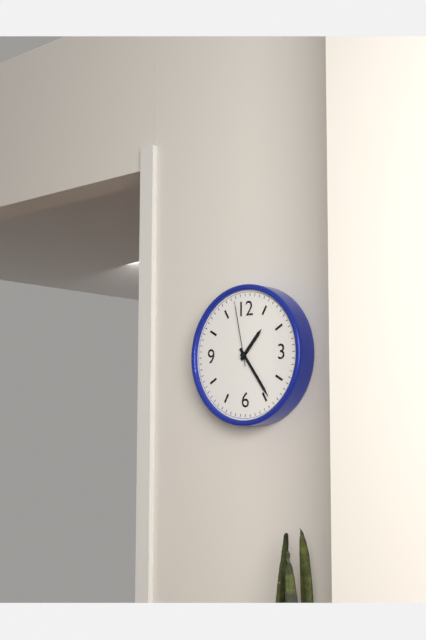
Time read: 1:24:58
